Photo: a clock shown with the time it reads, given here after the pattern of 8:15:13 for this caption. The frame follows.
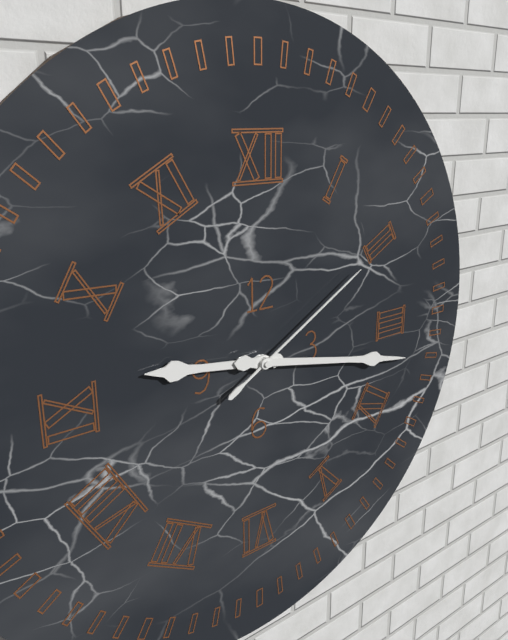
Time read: 9:17:10
